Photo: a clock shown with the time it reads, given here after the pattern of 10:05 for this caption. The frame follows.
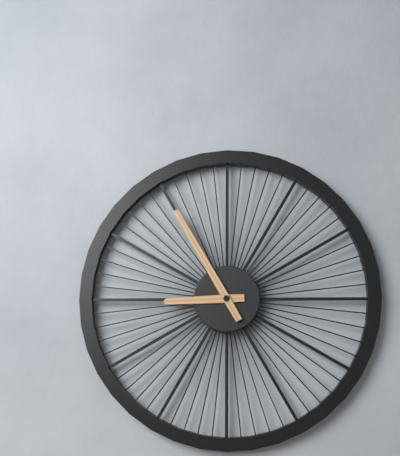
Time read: 8:55
